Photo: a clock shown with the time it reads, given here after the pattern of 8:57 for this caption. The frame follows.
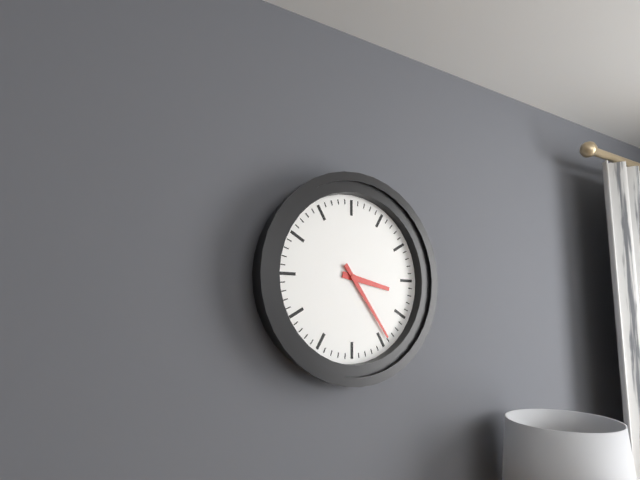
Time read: 3:24
